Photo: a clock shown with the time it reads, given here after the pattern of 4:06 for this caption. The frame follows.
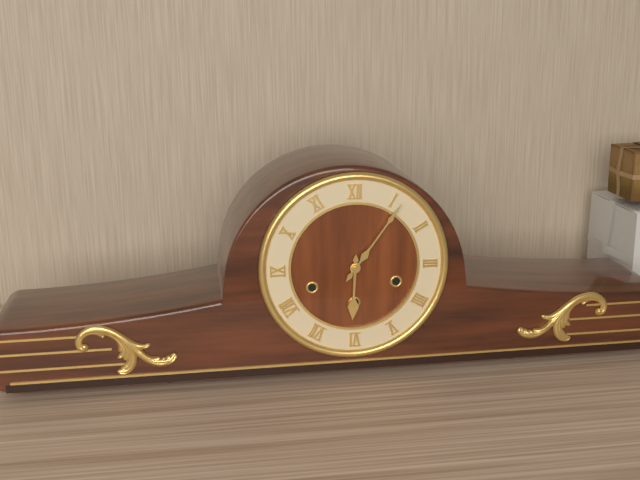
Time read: 6:06
